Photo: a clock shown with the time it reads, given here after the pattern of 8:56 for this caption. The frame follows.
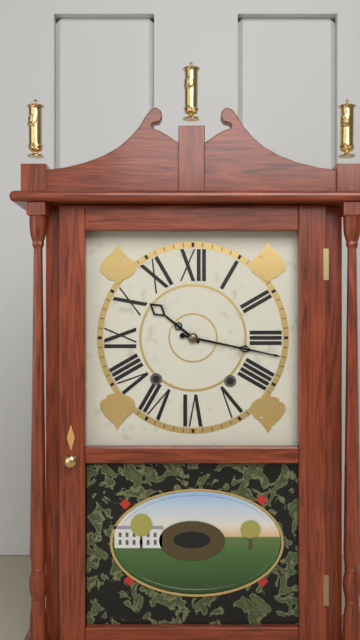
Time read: 10:17
